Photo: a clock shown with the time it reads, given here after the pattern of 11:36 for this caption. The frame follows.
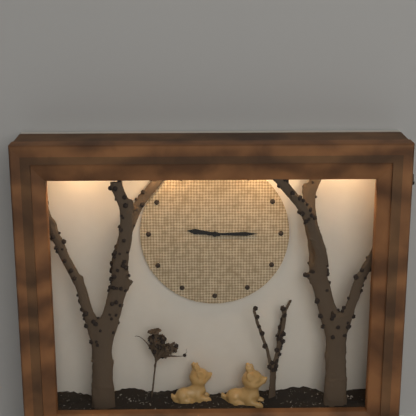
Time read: 9:15
